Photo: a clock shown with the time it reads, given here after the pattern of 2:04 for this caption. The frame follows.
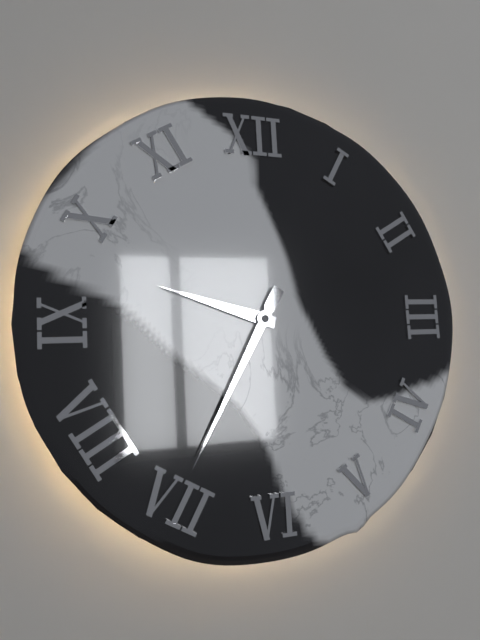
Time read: 9:35
